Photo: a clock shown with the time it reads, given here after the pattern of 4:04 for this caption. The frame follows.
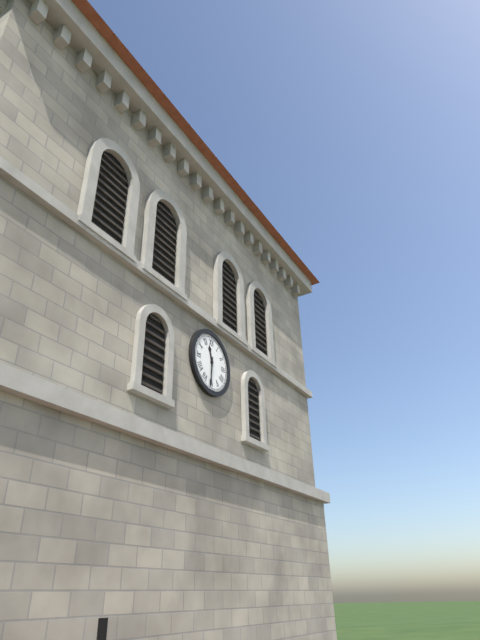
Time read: 11:31
